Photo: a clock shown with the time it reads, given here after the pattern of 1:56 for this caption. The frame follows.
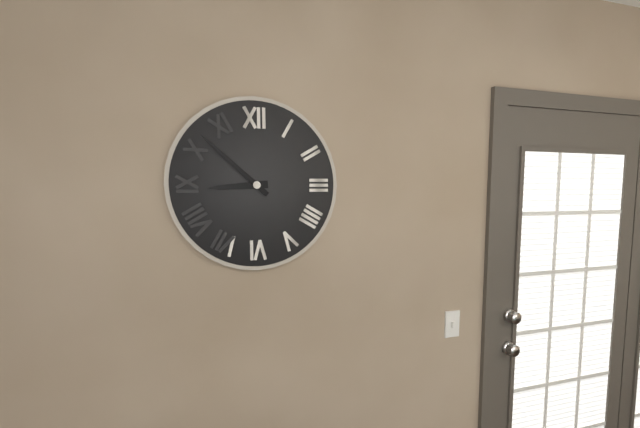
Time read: 8:52
